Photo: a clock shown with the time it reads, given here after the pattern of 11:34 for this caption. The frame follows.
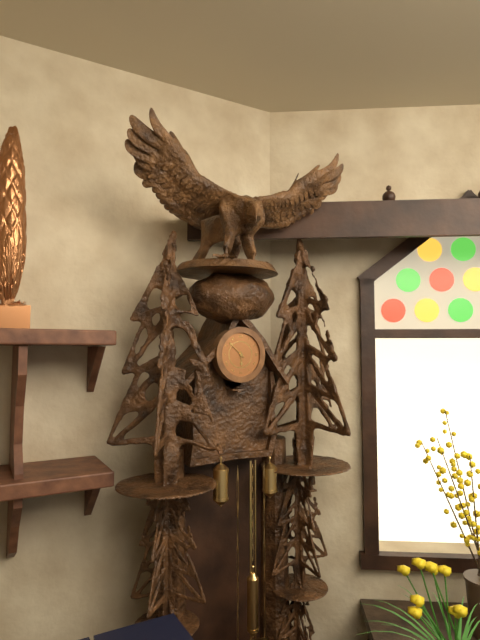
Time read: 5:52
